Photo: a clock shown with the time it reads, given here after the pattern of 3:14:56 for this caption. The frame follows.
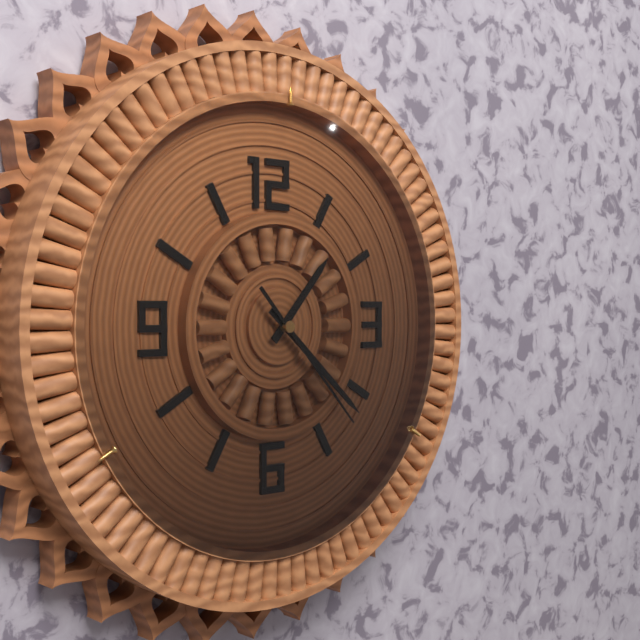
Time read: 1:22:23
